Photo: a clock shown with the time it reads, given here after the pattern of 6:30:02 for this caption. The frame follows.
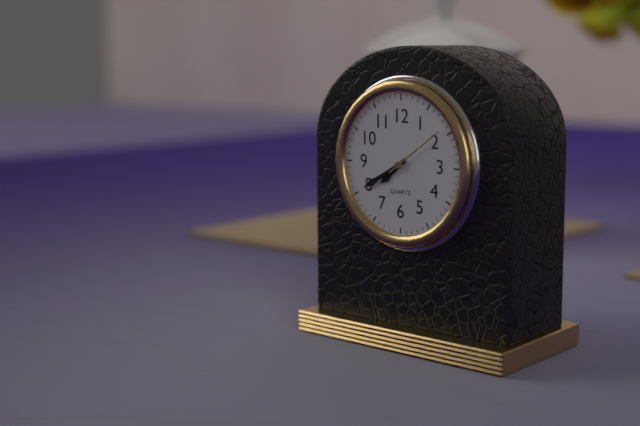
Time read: 7:40:09
